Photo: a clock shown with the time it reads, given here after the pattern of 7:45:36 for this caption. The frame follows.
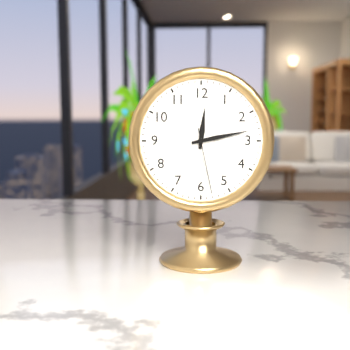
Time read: 12:13:28
